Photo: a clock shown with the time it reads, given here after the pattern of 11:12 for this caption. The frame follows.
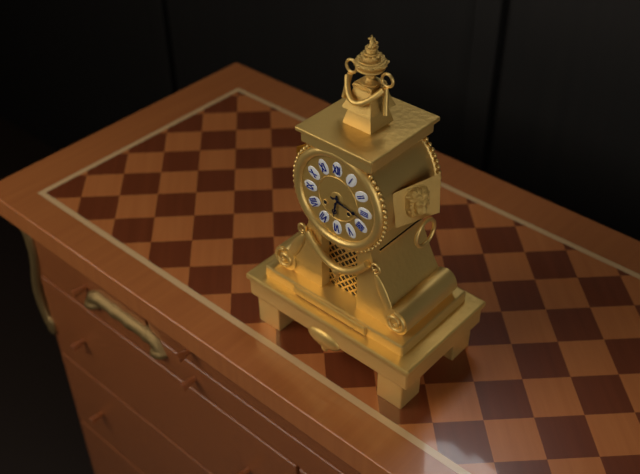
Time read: 6:17
